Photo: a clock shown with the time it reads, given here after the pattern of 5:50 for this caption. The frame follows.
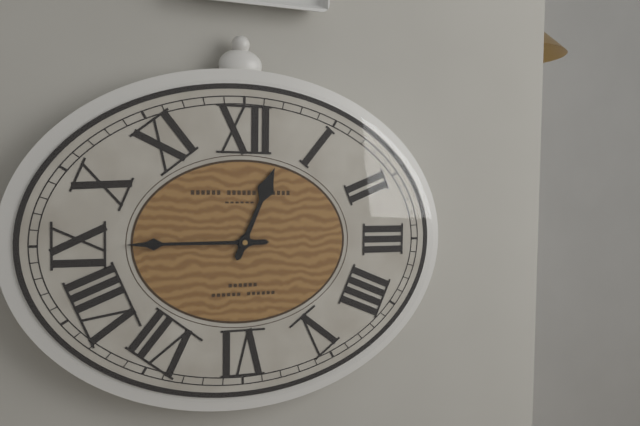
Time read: 12:45
